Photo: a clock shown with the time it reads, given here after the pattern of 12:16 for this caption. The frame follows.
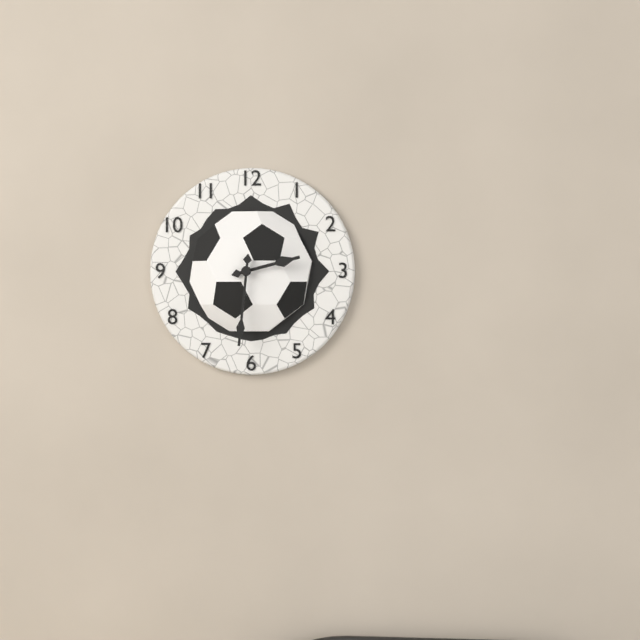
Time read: 2:31
